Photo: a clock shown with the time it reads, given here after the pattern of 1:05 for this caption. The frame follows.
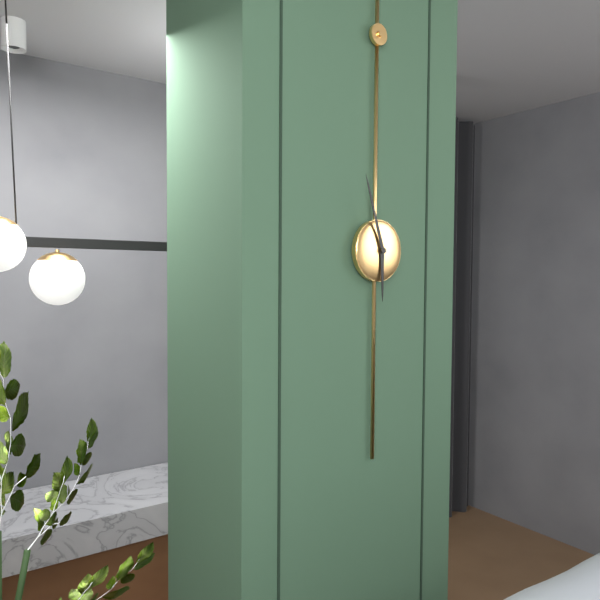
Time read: 5:57
